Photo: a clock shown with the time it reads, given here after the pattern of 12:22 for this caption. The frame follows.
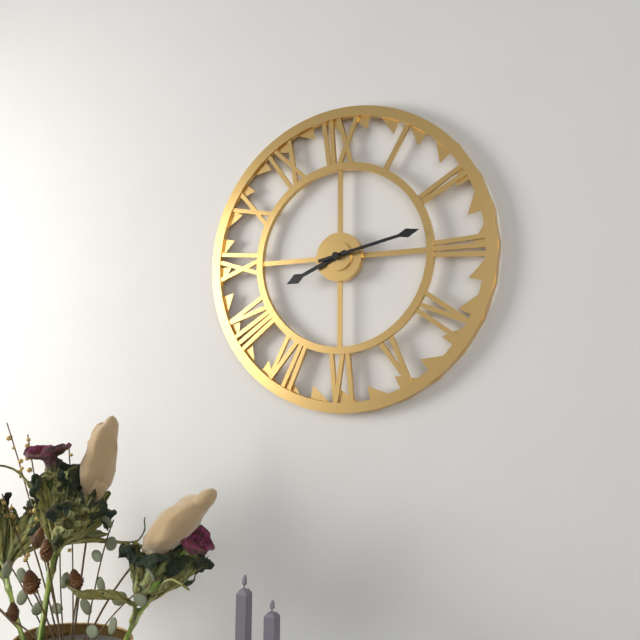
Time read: 8:13
